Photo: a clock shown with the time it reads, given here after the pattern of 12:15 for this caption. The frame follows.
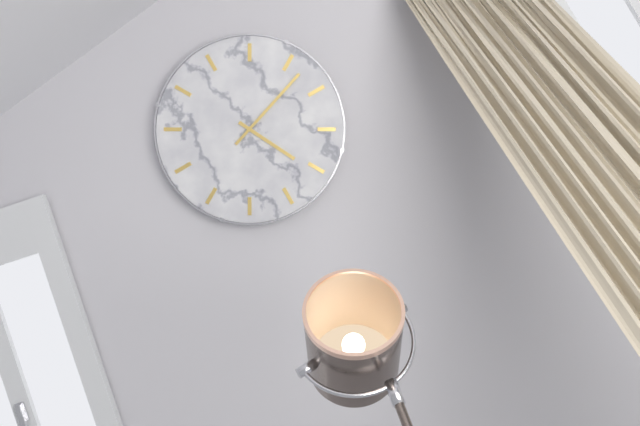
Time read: 4:07
